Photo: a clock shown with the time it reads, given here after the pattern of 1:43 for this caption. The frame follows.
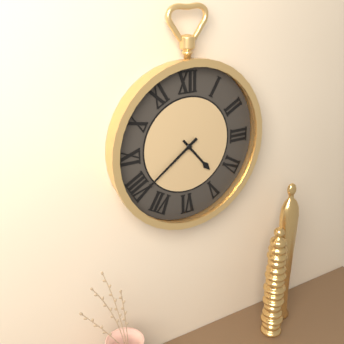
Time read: 4:39
